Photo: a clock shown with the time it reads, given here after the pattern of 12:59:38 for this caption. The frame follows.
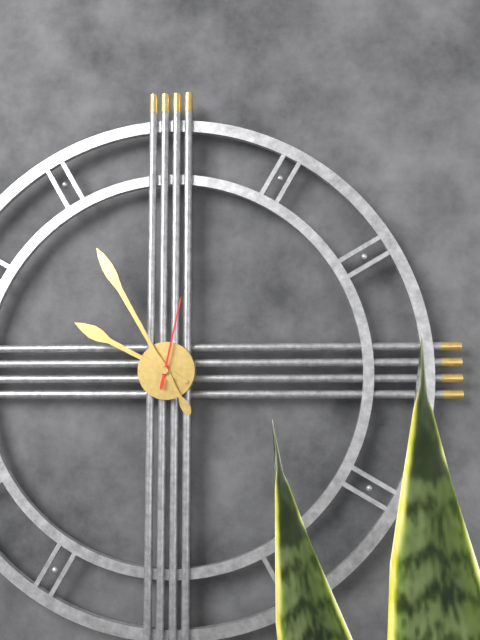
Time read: 9:55:02
